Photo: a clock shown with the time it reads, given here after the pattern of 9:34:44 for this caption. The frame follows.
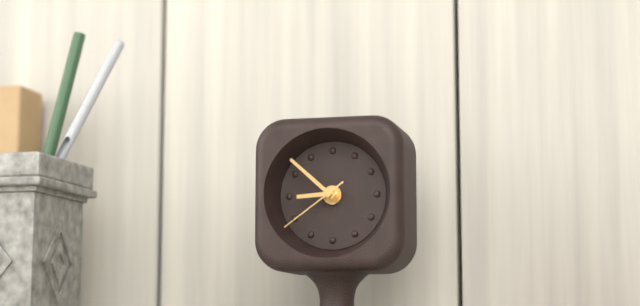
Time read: 8:52:39
